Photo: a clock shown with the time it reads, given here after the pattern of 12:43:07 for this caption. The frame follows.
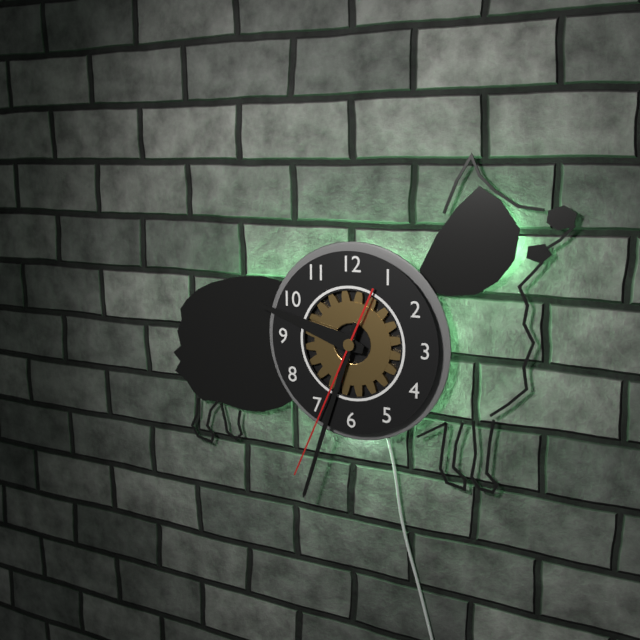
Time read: 9:33:34
